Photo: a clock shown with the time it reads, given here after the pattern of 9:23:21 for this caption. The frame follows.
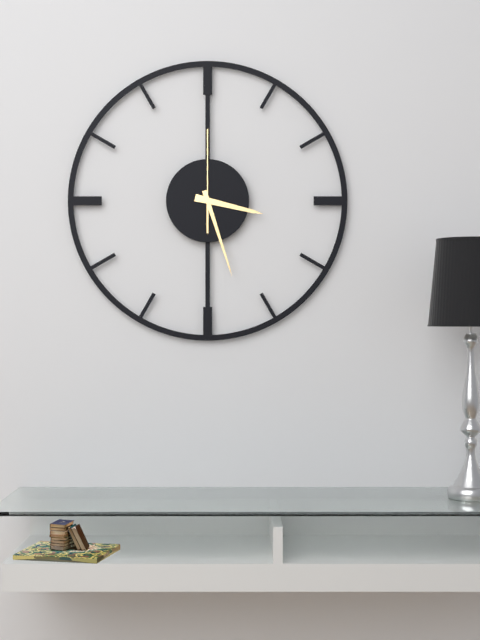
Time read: 3:27:00
